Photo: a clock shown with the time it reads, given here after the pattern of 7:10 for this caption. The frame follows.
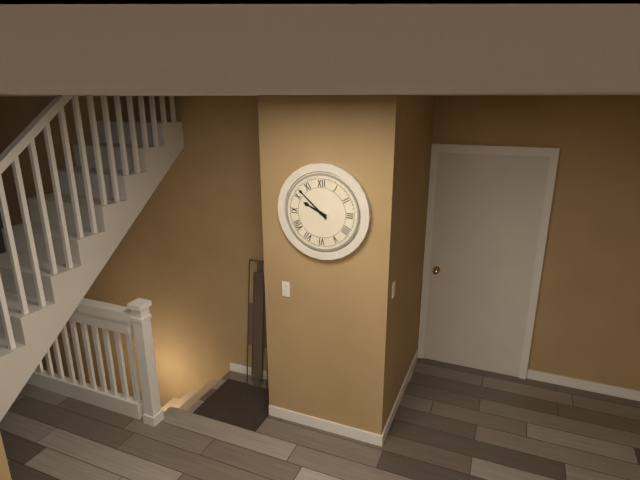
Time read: 9:52
